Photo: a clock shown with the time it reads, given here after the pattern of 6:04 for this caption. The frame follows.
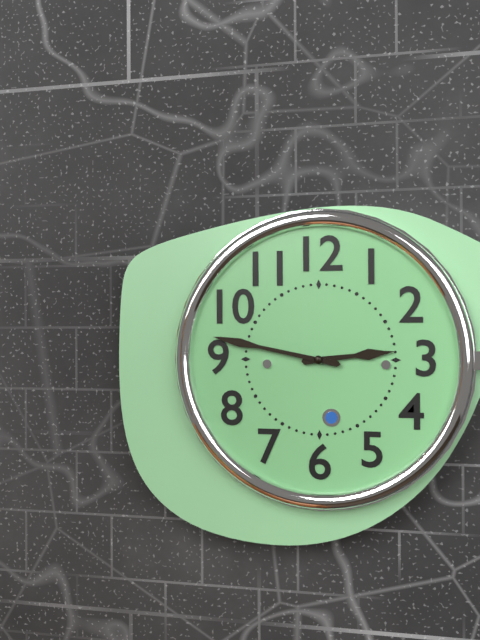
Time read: 2:47
